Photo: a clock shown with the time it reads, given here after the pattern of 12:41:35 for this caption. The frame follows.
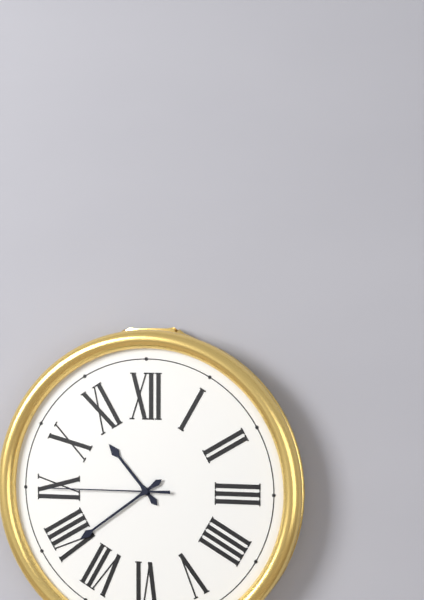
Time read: 10:39:45
